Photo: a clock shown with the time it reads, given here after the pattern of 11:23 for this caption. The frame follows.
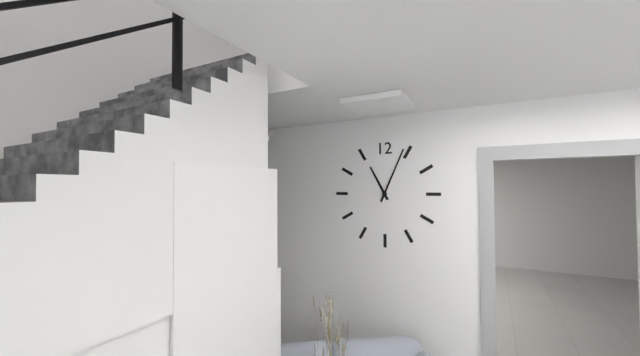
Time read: 11:04
